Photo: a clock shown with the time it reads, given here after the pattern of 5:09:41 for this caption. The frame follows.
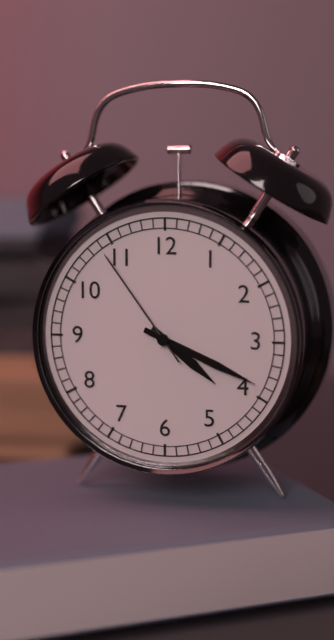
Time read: 4:19:54
